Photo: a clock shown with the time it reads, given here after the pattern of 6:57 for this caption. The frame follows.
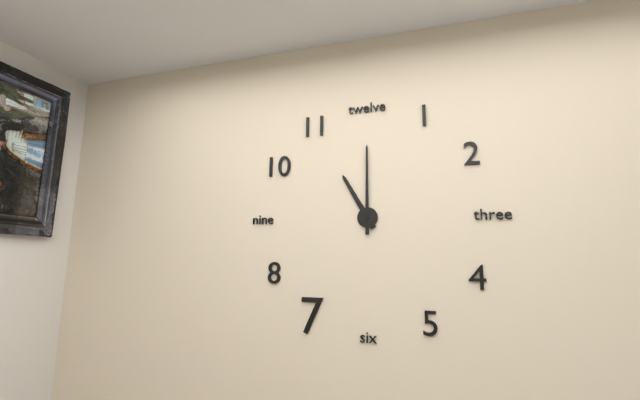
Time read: 11:00
